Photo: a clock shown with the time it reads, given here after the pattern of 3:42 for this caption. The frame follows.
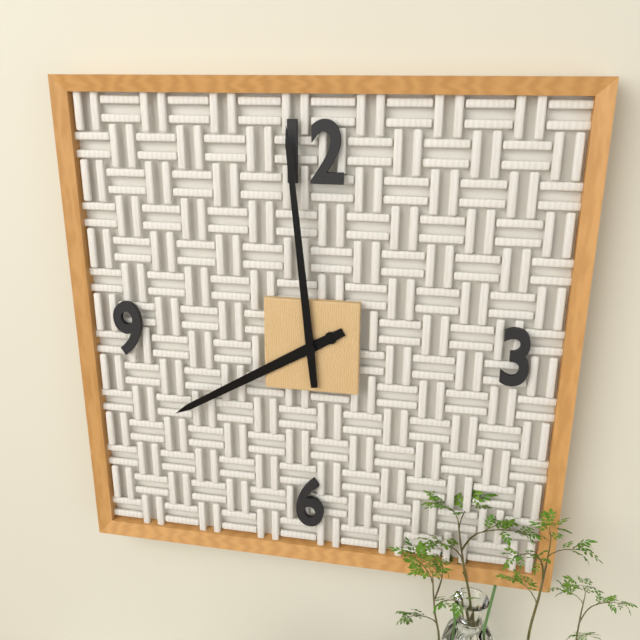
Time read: 7:59
